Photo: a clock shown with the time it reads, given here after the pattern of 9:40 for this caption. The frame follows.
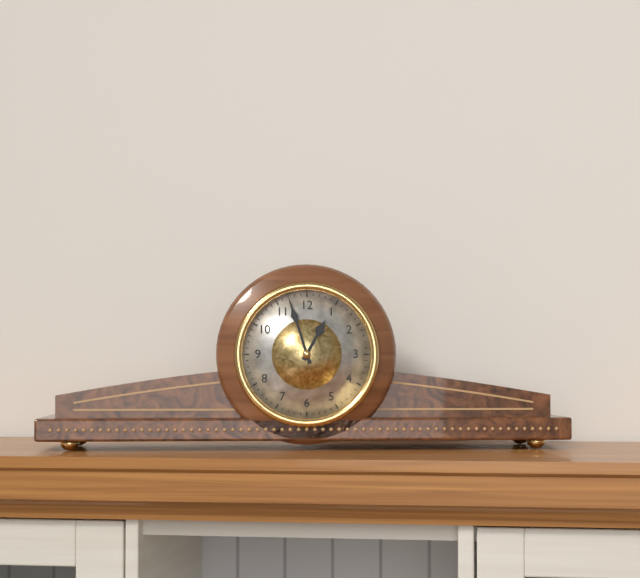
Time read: 12:57
